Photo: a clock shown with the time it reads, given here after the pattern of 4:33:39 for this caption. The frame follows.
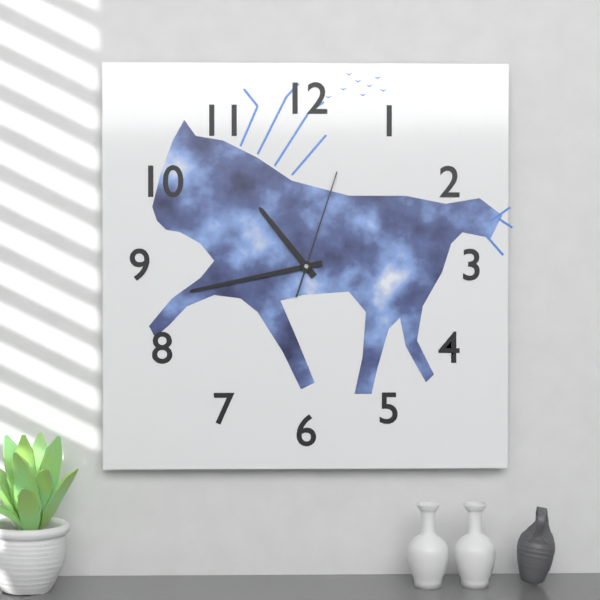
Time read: 10:43:03
